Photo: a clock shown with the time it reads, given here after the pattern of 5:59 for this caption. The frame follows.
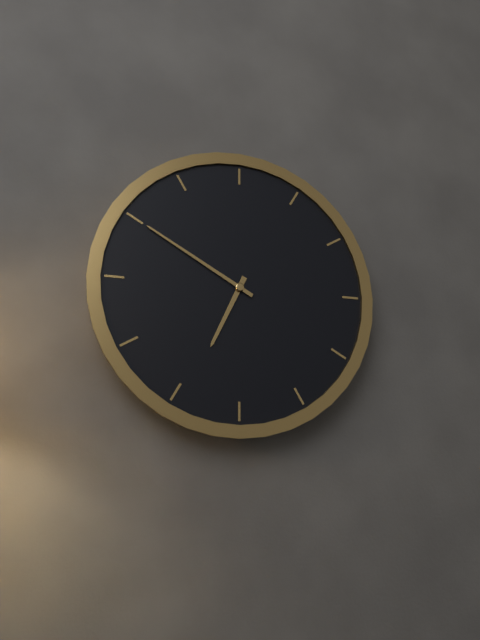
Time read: 6:50
